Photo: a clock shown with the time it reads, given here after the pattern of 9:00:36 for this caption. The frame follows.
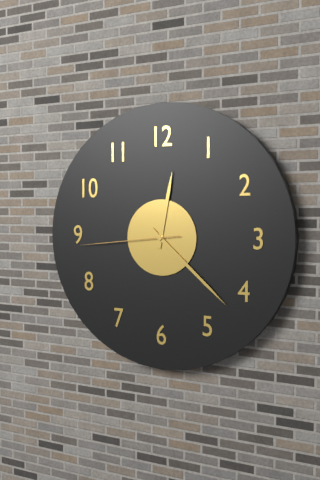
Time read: 12:22:44
